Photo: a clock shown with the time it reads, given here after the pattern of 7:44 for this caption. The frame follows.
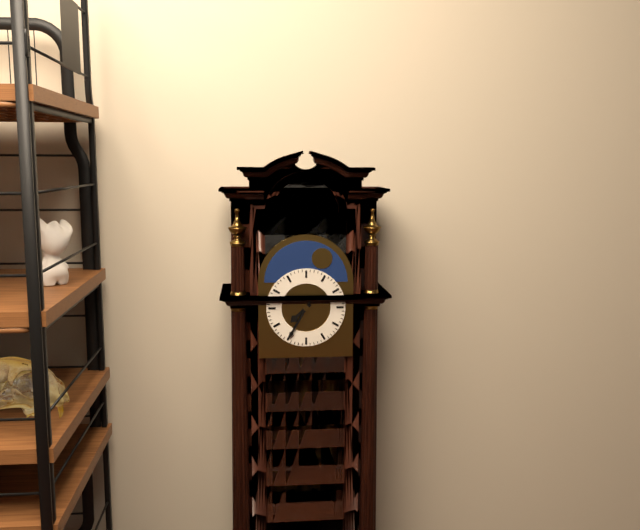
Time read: 7:35
